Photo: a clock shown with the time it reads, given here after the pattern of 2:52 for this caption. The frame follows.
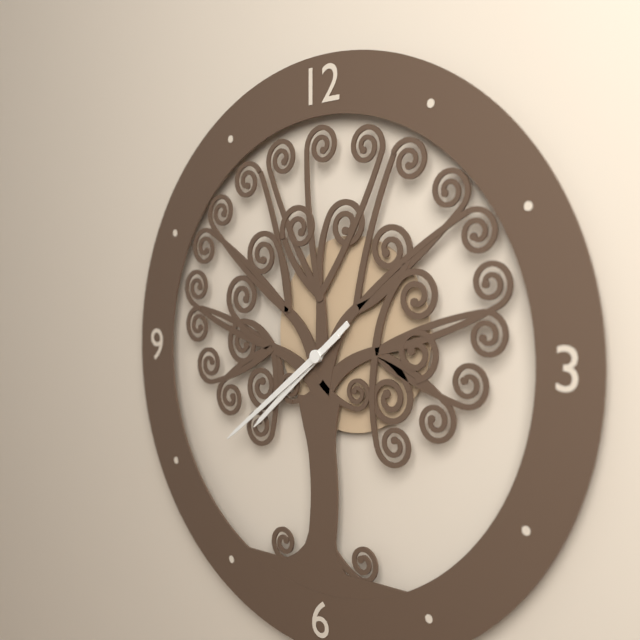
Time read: 7:39
